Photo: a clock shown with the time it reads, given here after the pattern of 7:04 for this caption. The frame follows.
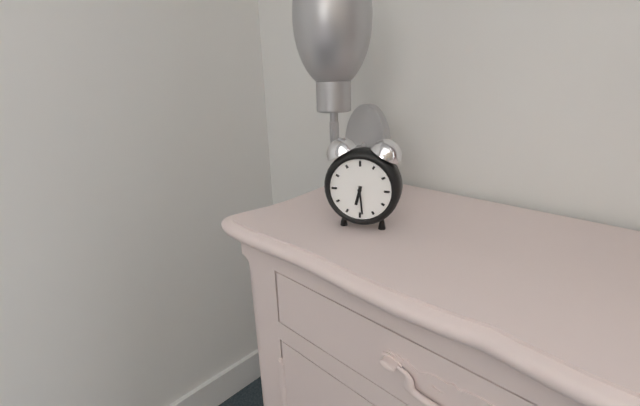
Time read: 6:29
